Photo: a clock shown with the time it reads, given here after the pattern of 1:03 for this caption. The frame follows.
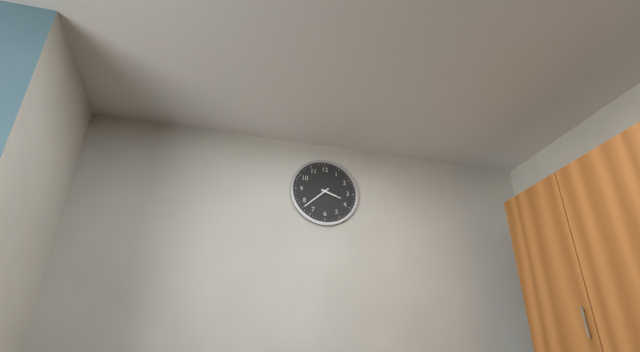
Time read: 3:38
